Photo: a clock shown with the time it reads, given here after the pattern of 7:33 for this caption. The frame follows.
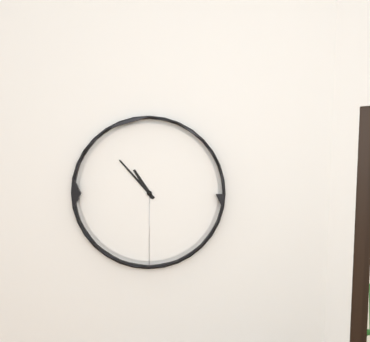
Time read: 10:53
